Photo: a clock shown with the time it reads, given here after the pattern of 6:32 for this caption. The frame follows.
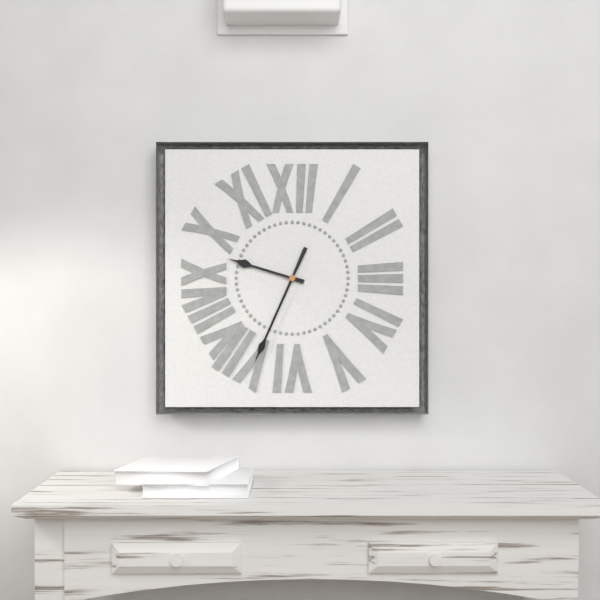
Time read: 9:34
